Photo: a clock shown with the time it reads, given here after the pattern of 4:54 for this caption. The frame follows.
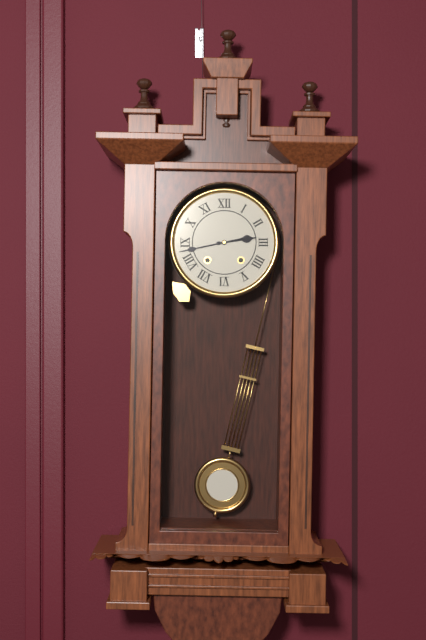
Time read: 2:43
